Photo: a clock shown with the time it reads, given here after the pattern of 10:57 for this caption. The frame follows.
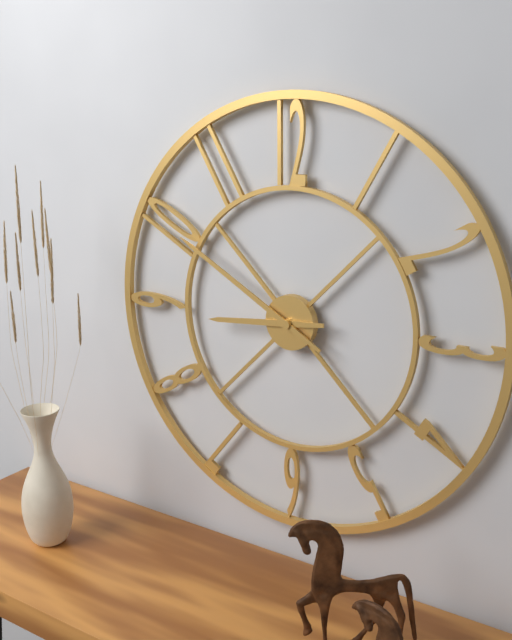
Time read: 8:50
